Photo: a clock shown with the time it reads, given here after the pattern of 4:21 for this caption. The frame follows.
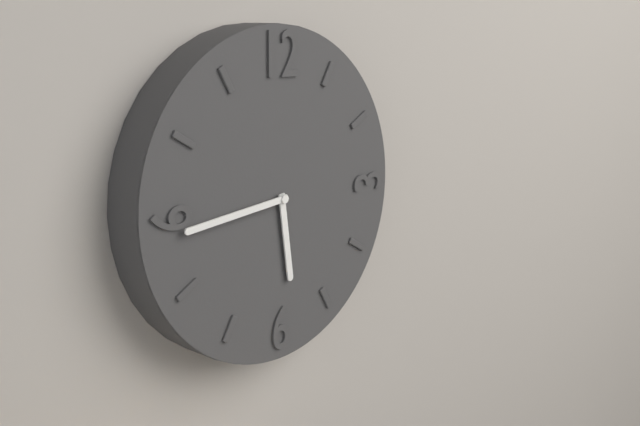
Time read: 5:44
